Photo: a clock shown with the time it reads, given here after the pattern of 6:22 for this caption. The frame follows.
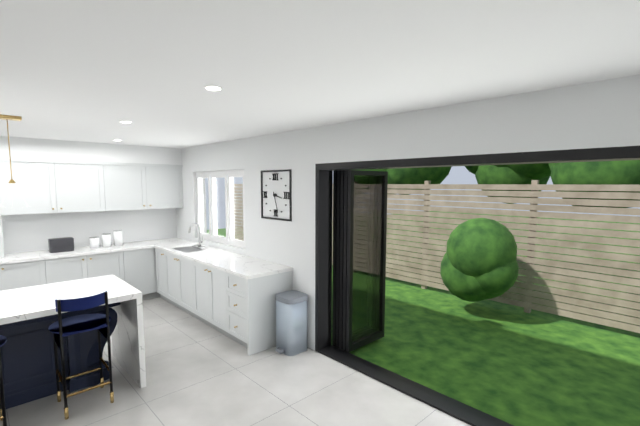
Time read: 3:27
